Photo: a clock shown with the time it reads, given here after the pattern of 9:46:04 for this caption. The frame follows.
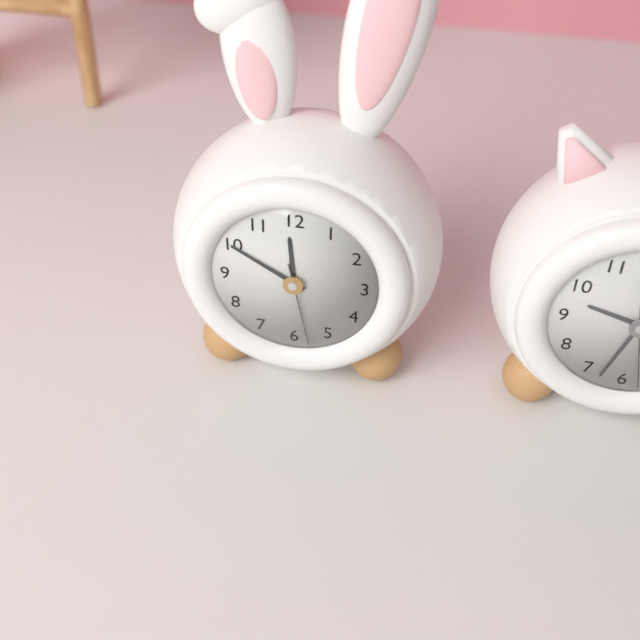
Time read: 11:50:28
